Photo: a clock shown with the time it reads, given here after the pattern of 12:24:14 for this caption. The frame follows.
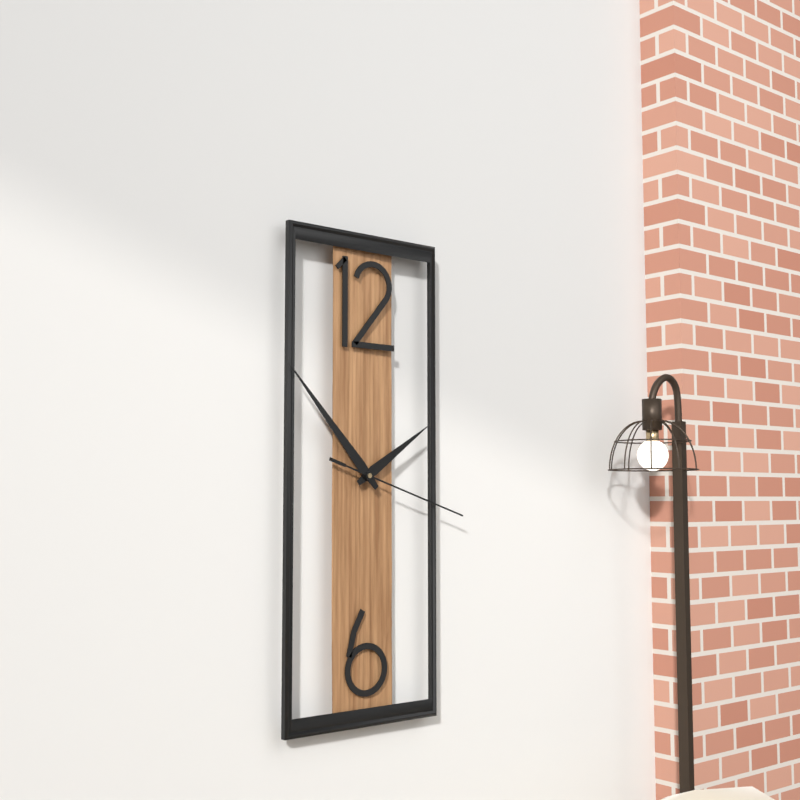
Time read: 1:53:18
